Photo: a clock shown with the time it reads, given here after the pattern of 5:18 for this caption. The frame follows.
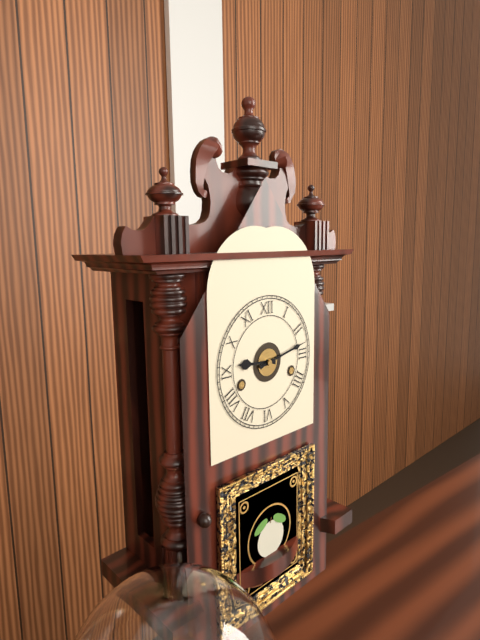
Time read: 9:13
